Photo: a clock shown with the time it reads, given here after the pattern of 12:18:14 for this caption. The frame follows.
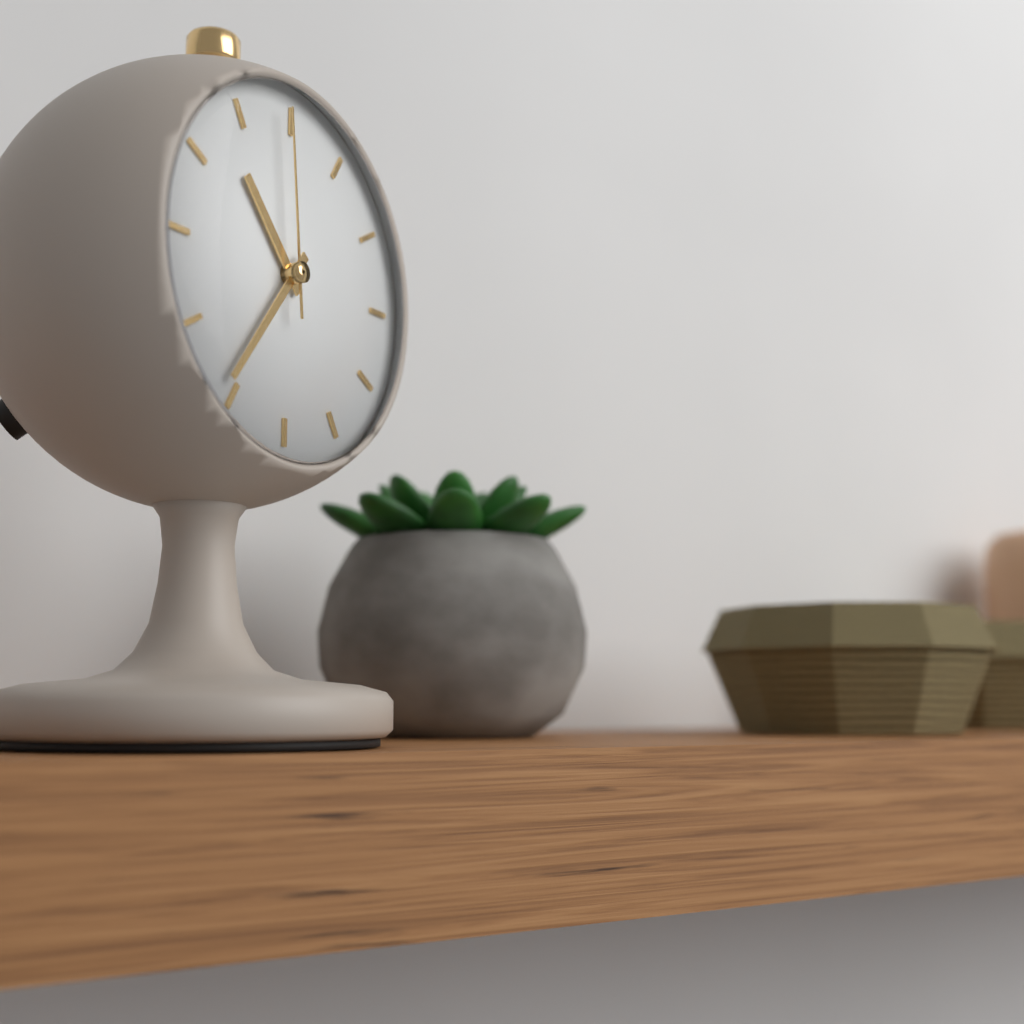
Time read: 10:36:59
